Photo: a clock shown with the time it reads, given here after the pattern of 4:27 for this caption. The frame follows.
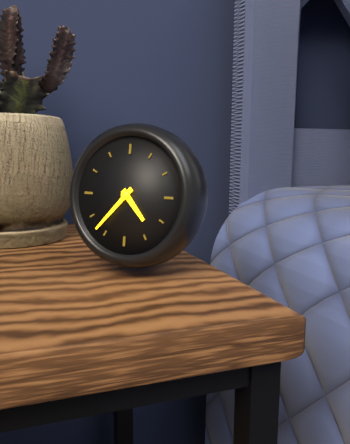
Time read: 4:37
